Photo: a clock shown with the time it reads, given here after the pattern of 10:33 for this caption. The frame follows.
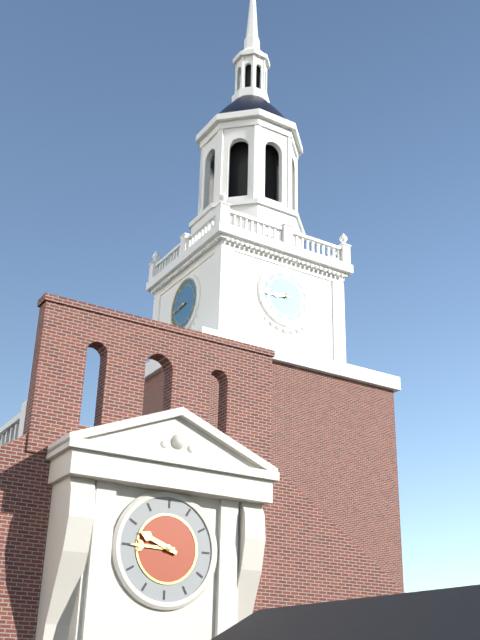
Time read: 8:44
